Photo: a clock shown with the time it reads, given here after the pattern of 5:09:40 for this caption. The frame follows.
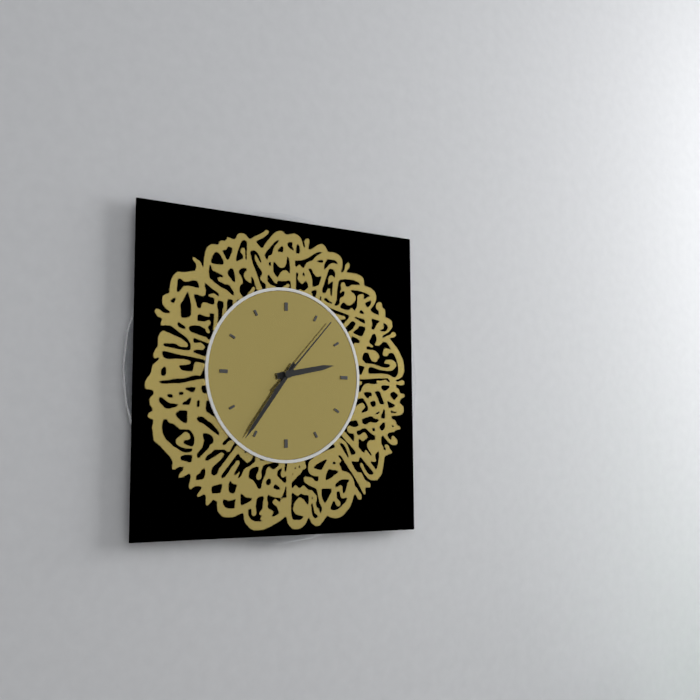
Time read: 2:36:07
